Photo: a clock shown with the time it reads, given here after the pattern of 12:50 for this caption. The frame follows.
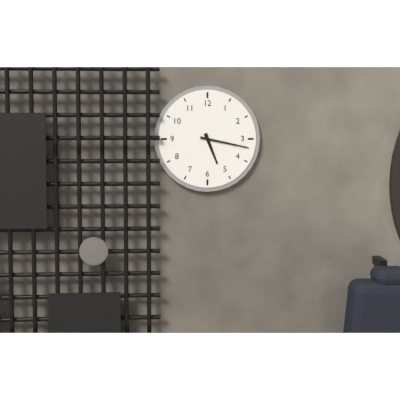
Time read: 5:17
